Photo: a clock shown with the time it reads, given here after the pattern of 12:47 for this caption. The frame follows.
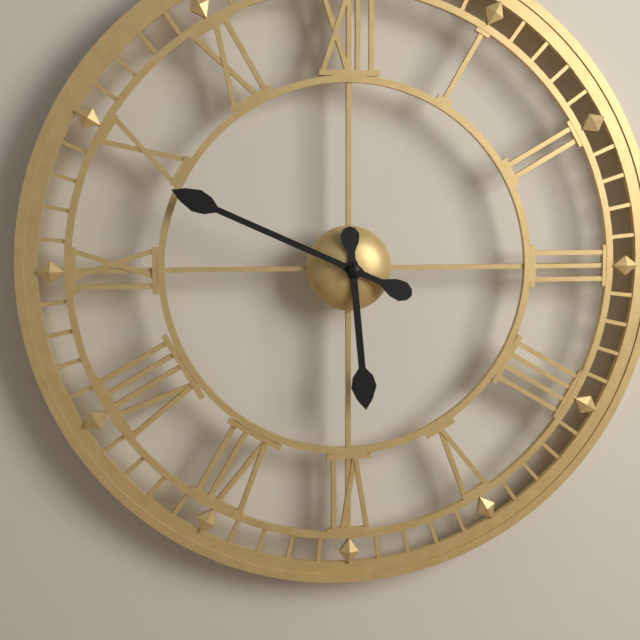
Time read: 5:49
